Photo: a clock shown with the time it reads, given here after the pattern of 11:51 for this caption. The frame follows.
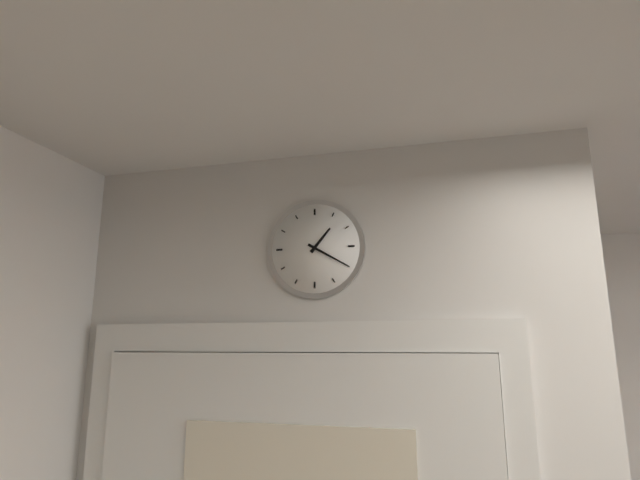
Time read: 1:20
